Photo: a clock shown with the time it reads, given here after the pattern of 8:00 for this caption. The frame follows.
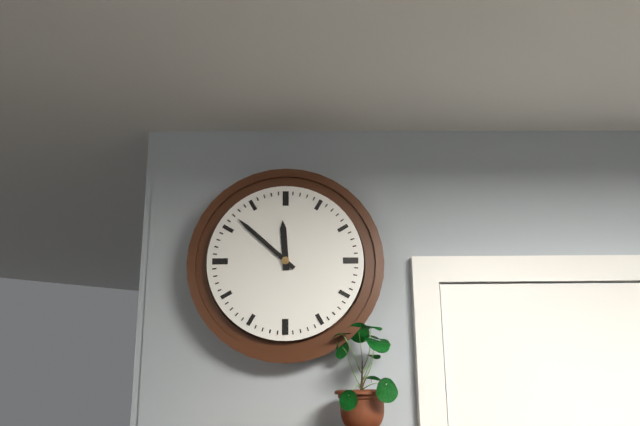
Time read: 11:52
